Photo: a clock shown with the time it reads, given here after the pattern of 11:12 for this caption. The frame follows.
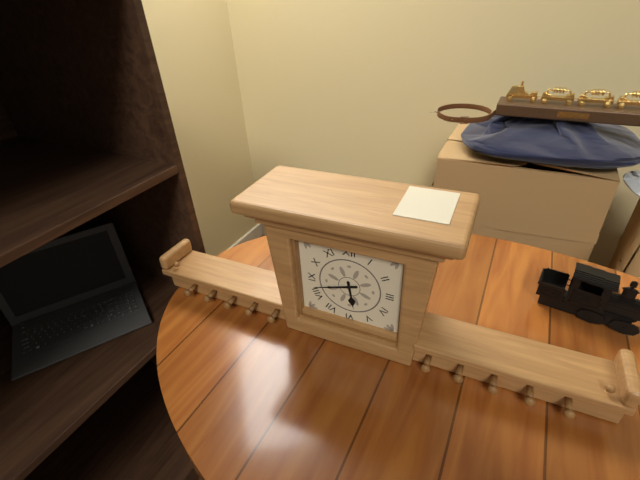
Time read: 5:42
